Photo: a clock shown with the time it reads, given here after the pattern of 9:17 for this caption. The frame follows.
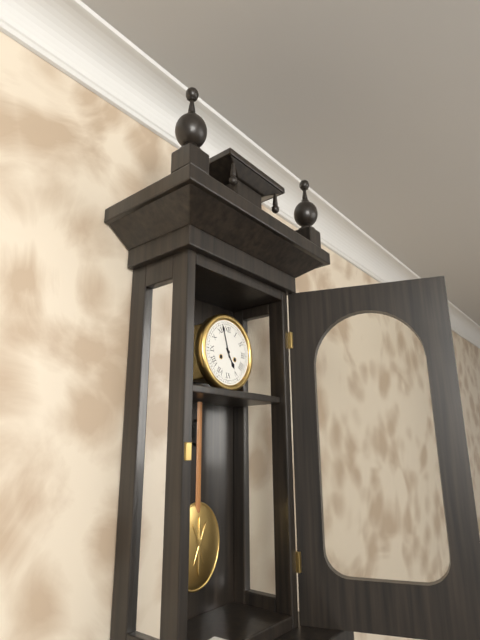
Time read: 4:57
